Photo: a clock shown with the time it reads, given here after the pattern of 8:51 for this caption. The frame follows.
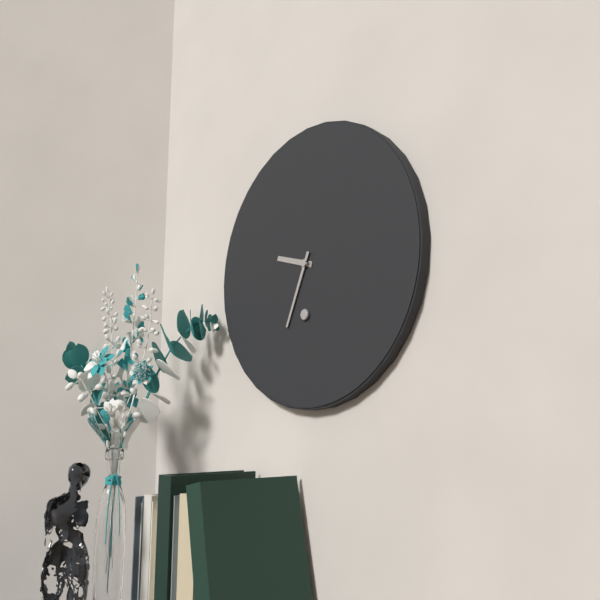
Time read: 9:34
